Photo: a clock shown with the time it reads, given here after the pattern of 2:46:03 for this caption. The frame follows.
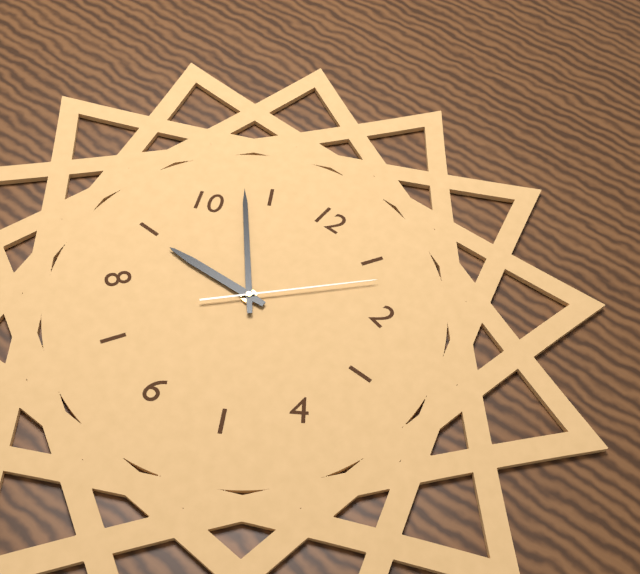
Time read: 8:53:07
